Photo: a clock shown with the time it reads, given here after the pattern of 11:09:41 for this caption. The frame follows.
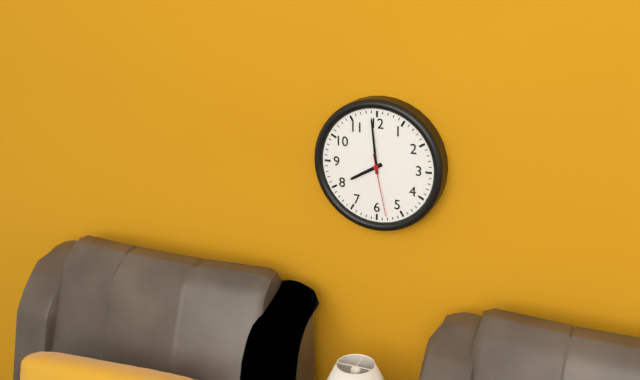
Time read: 7:59:28
